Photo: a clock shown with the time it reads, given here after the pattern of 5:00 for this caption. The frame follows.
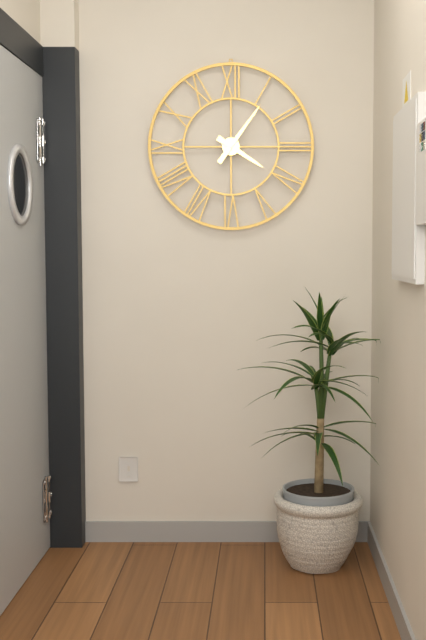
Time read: 4:06
